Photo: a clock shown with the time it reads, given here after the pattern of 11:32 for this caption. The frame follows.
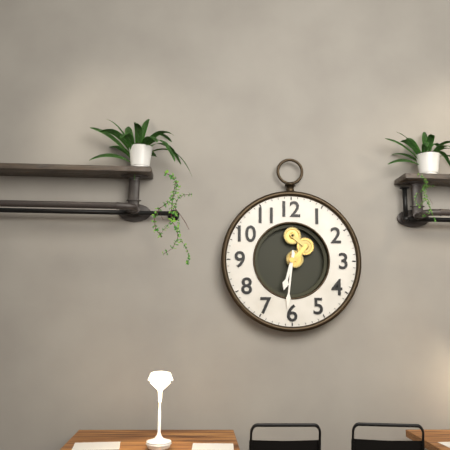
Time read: 6:31
